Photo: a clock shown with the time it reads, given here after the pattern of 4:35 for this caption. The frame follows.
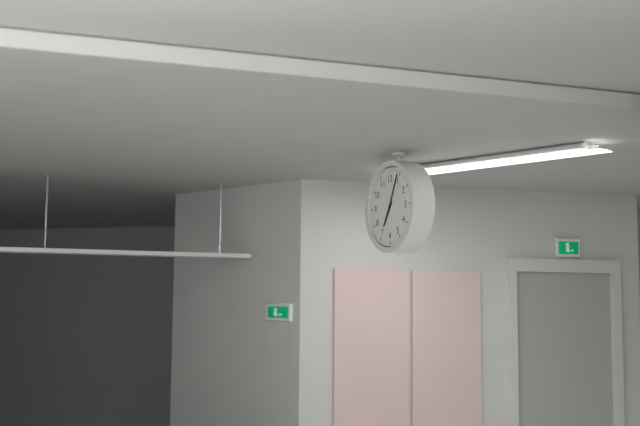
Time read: 7:04
